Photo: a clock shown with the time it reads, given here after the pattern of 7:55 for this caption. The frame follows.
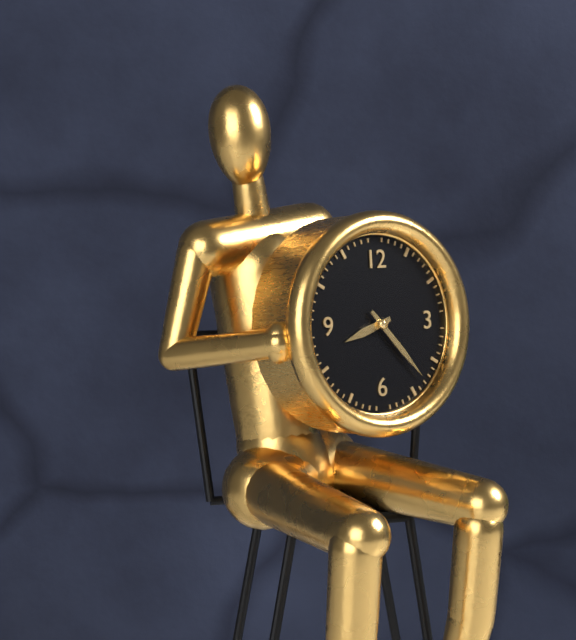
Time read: 8:23
